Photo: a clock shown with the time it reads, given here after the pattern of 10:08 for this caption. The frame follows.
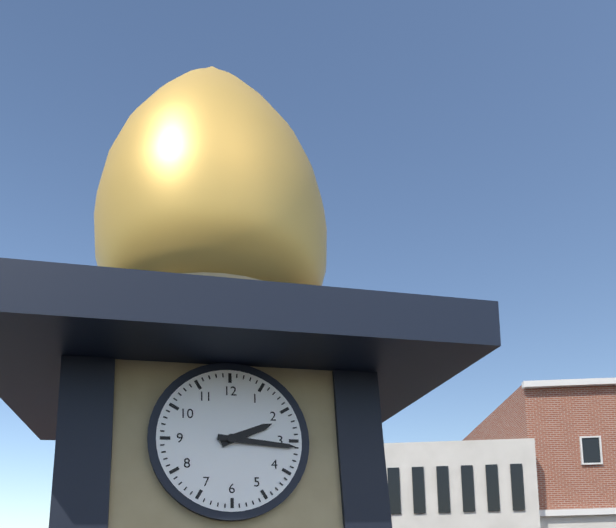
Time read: 2:16
